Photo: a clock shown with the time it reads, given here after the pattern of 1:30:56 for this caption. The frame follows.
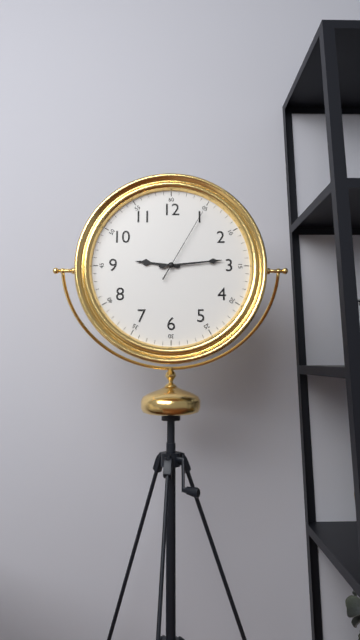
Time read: 9:14:05
